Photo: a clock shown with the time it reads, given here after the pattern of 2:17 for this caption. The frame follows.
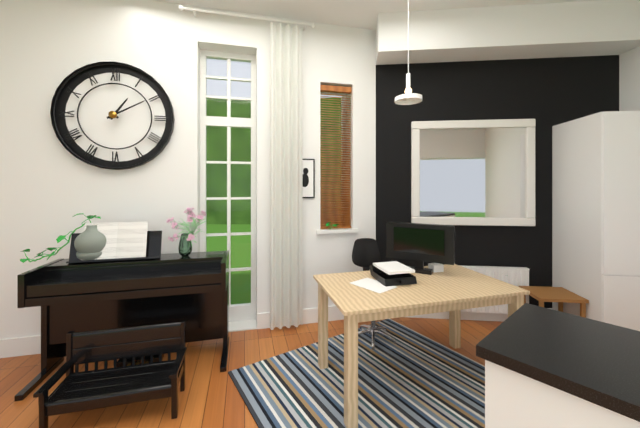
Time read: 1:10
